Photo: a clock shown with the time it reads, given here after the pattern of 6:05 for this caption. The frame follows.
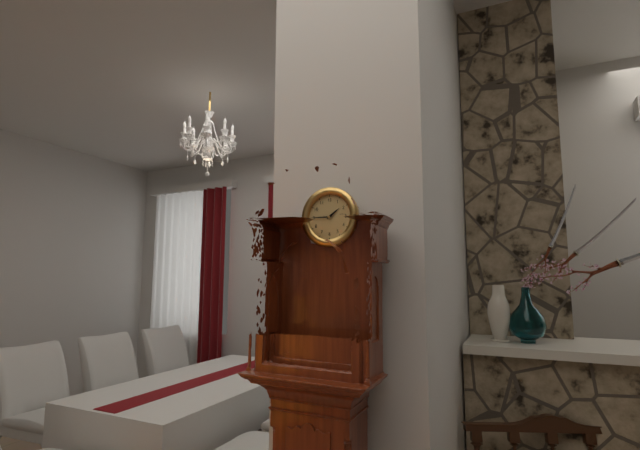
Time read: 1:45
